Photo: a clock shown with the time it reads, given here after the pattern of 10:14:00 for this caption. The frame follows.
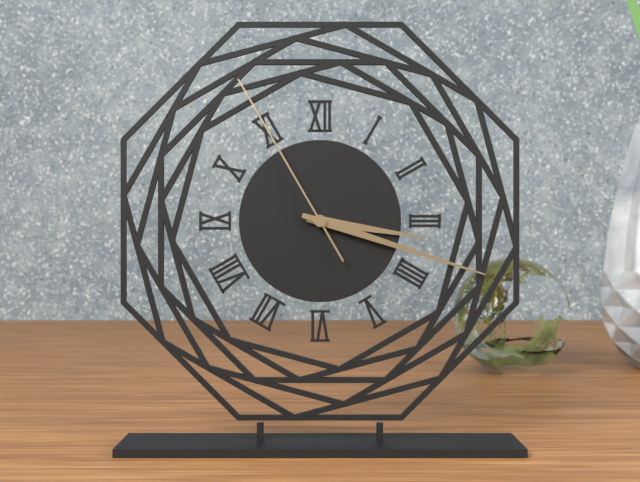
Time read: 3:18:55
